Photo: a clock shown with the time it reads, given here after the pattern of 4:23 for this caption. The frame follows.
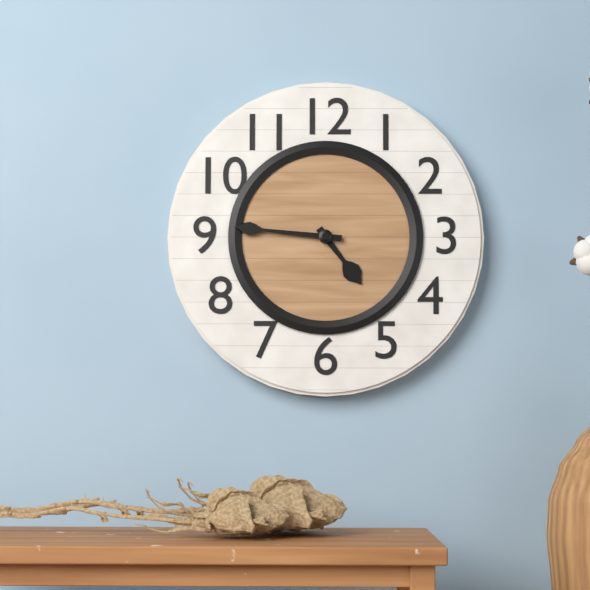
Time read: 4:46
